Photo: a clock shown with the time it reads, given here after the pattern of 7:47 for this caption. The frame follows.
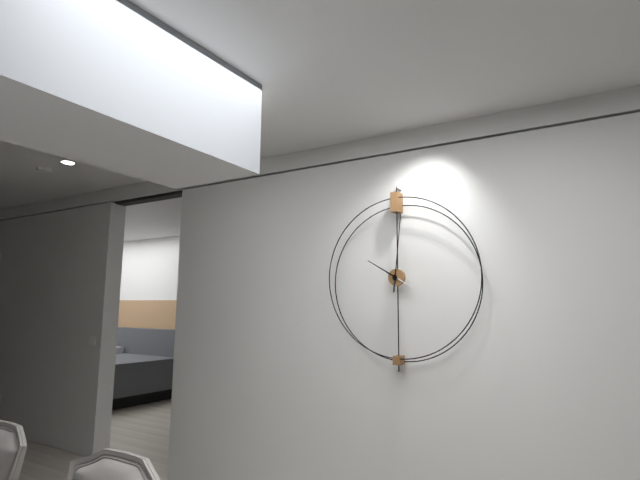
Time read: 10:01
